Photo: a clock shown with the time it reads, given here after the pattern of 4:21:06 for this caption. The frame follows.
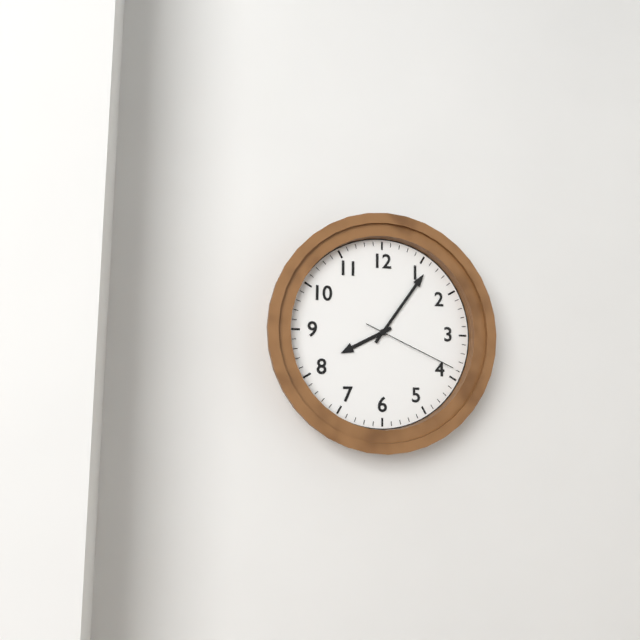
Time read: 8:06:19
